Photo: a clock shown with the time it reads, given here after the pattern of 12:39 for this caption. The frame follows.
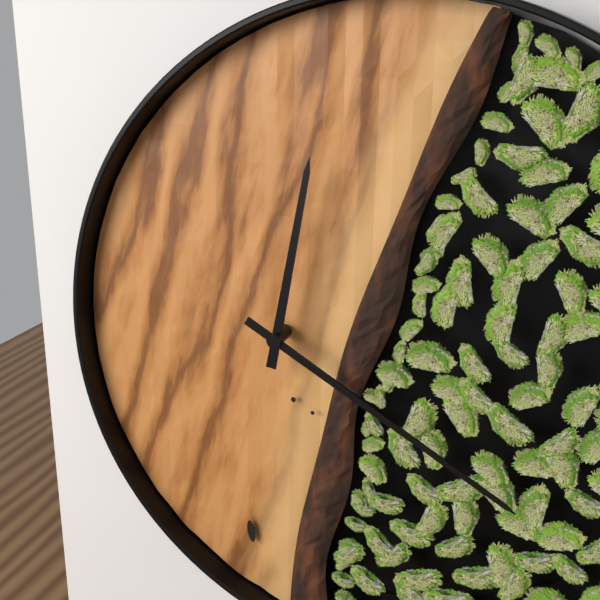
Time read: 12:20
